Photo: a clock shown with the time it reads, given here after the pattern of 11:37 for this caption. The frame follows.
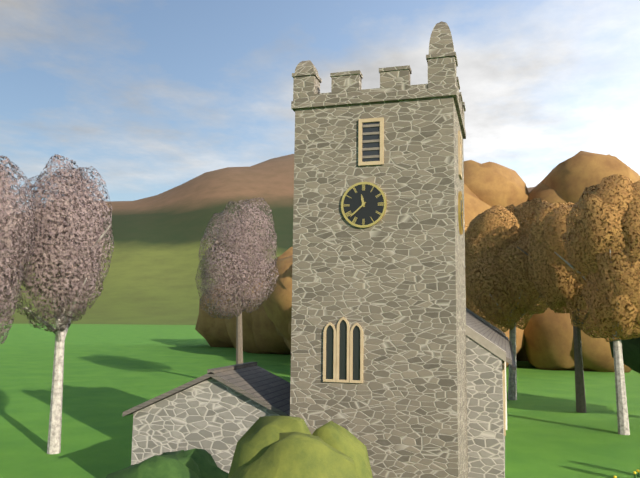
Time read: 11:38
